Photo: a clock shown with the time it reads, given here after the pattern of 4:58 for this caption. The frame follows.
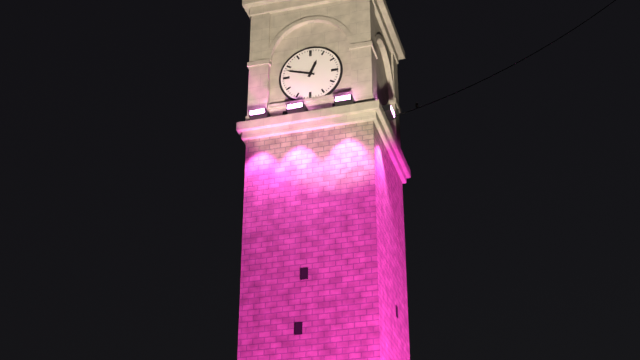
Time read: 12:48
